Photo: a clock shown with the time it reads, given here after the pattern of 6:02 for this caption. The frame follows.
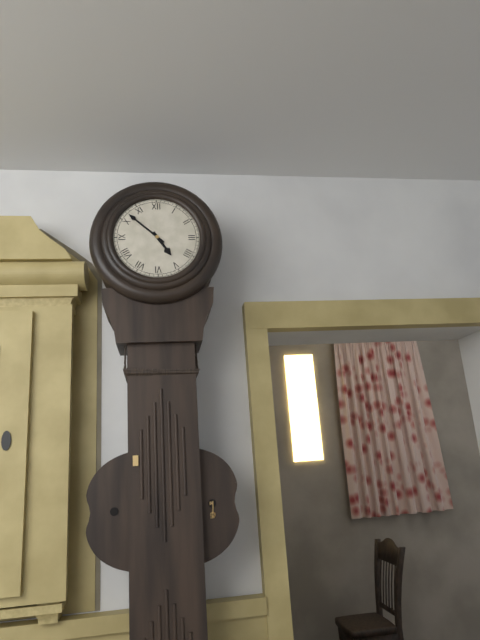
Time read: 4:52
